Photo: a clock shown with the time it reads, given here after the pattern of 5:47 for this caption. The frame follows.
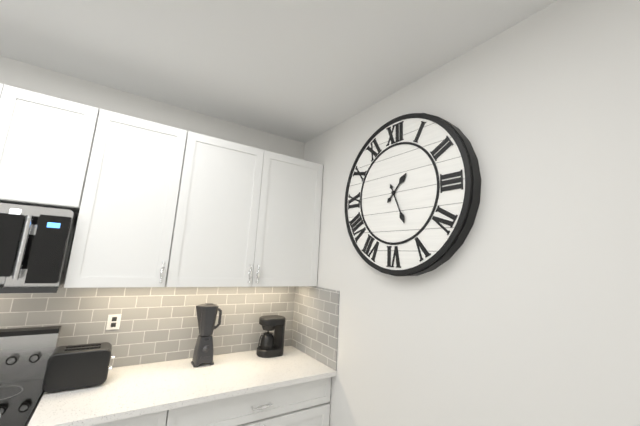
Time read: 1:26
